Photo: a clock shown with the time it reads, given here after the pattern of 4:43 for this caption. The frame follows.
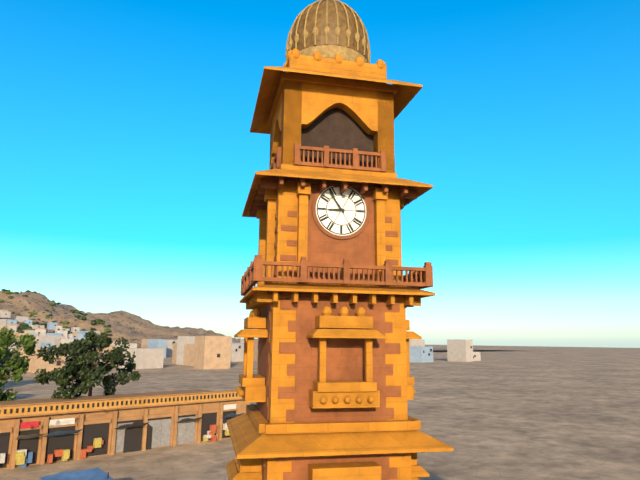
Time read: 8:54
